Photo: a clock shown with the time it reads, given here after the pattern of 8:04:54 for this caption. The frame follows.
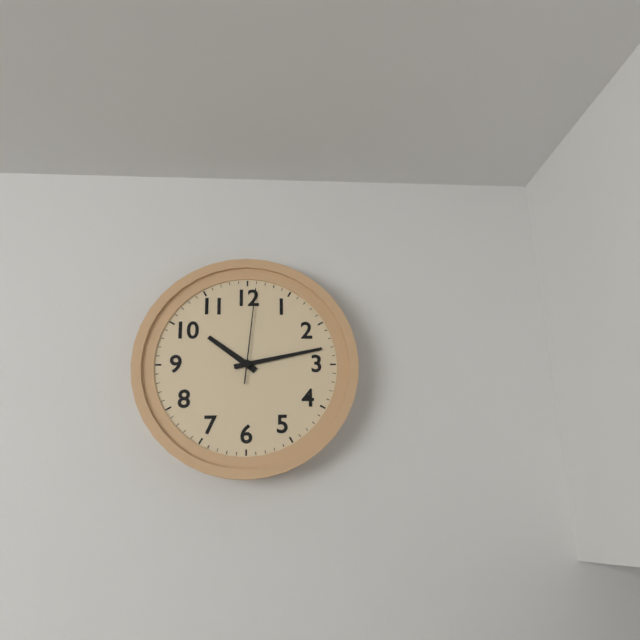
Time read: 10:13:01
